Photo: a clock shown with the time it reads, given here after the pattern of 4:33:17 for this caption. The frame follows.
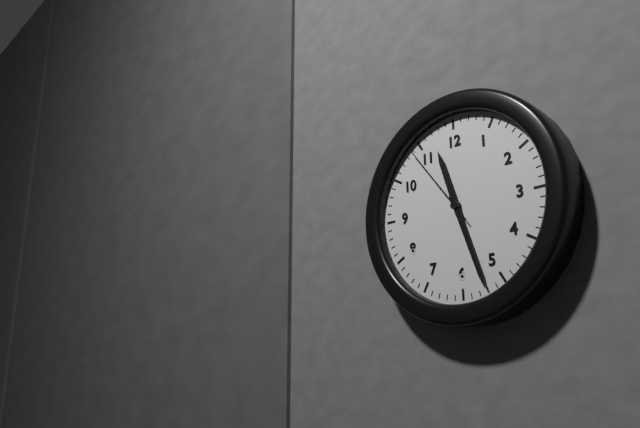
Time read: 11:27:54
